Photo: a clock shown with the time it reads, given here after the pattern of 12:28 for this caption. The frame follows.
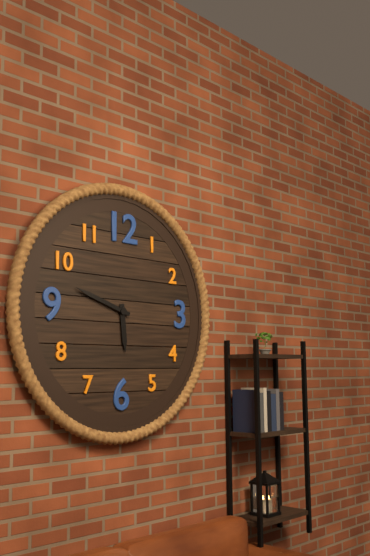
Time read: 5:48
